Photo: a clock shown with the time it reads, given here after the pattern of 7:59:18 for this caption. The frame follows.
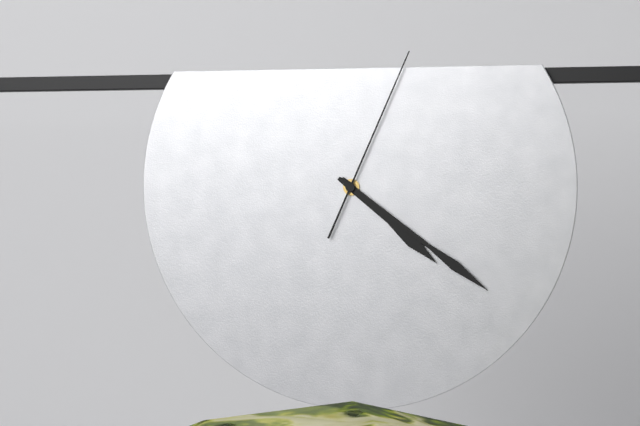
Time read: 4:21:04
